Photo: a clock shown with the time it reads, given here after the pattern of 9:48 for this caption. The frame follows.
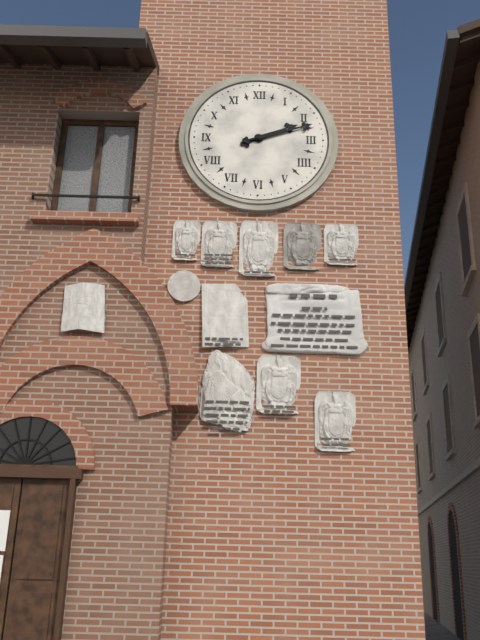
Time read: 2:12
